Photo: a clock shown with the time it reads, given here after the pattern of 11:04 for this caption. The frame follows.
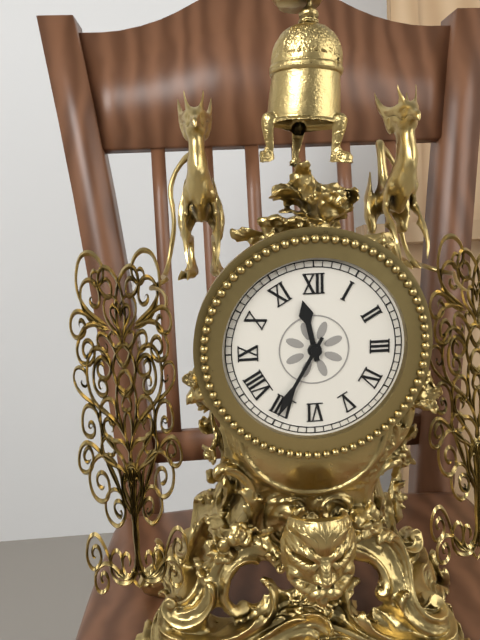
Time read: 11:35
